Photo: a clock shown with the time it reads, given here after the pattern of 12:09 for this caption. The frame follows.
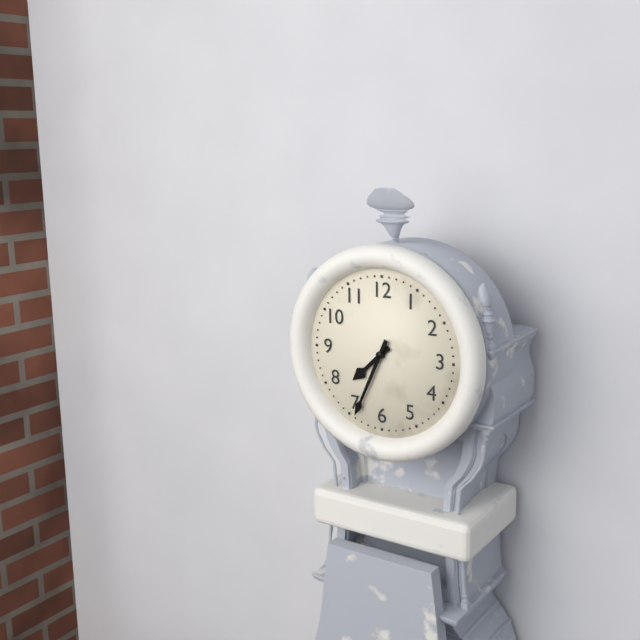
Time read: 7:34
